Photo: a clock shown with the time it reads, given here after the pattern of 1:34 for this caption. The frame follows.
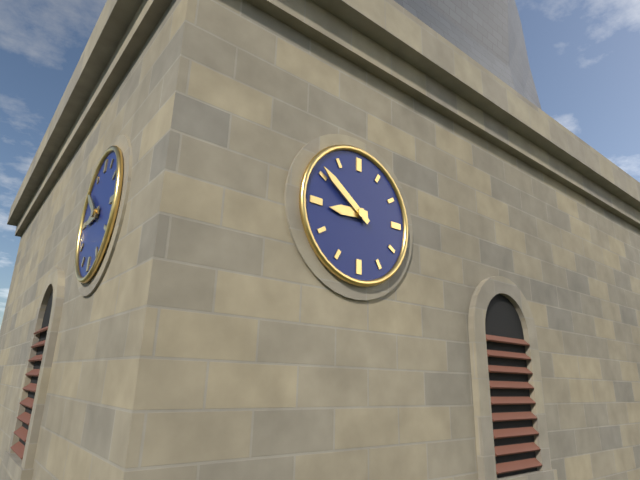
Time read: 8:51
